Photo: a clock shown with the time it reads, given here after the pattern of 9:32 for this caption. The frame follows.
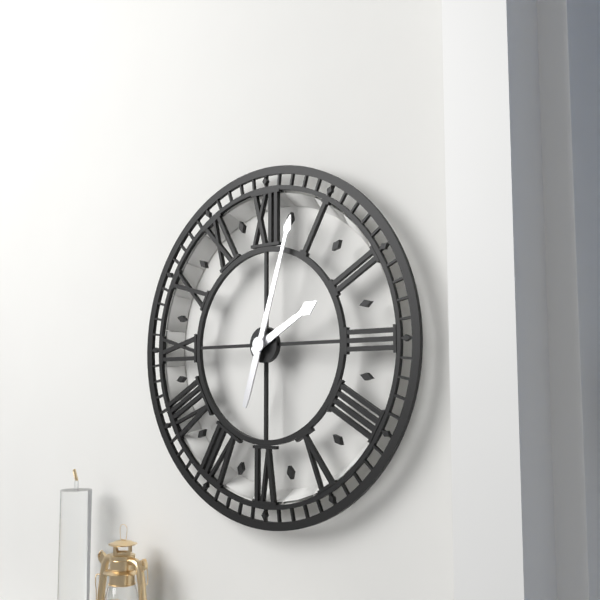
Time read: 2:03
